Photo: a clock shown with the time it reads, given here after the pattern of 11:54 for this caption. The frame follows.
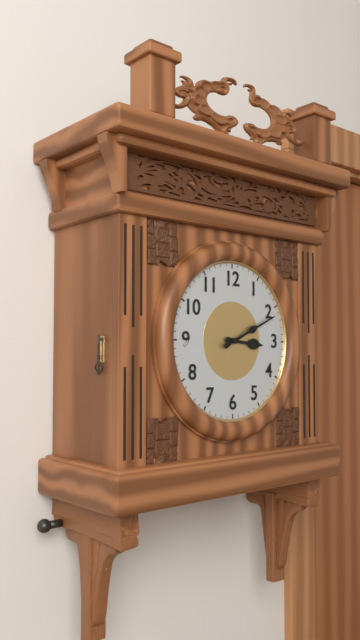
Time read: 3:11
